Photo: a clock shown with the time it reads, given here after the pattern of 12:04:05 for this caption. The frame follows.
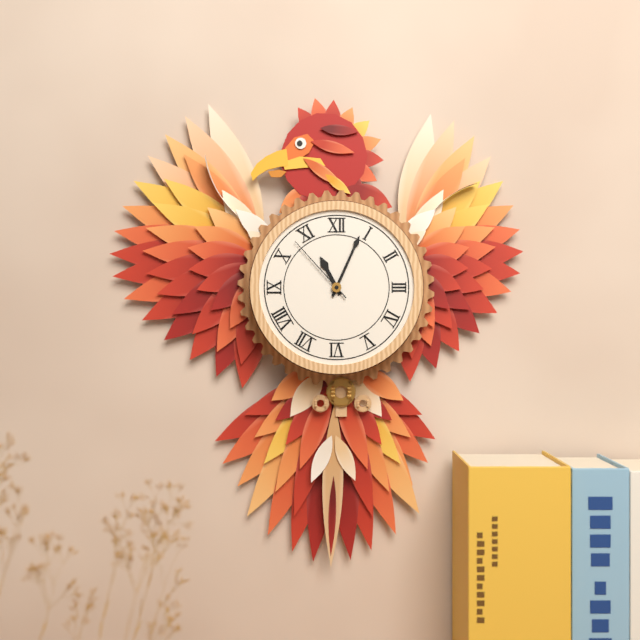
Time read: 11:04:53
